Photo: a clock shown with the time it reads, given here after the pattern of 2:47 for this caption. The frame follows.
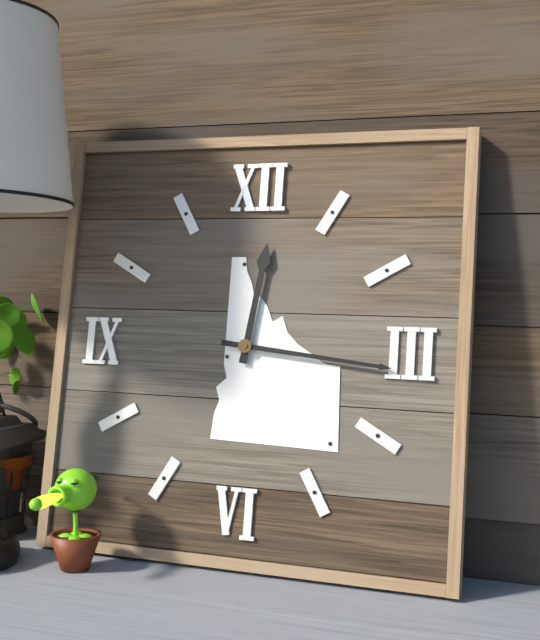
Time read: 12:16
